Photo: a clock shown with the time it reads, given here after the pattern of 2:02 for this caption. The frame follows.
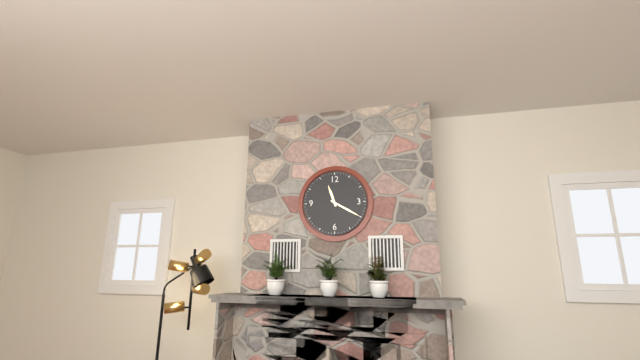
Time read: 11:20
